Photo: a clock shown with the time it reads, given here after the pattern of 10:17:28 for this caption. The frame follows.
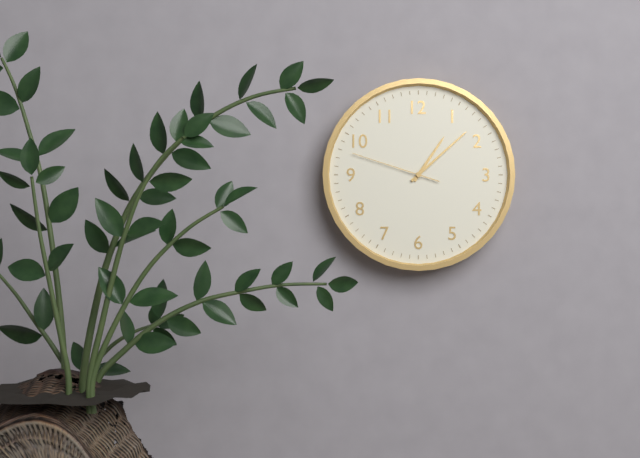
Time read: 1:08:48
